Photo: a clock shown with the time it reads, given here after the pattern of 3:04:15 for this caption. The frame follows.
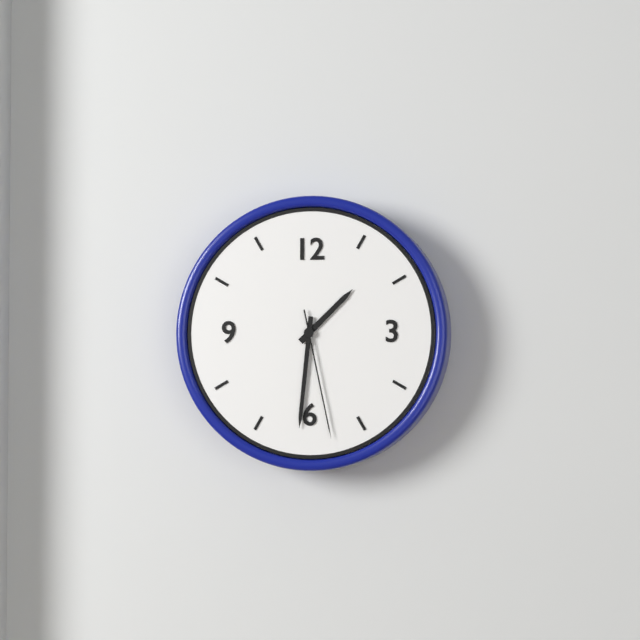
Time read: 1:31:28
